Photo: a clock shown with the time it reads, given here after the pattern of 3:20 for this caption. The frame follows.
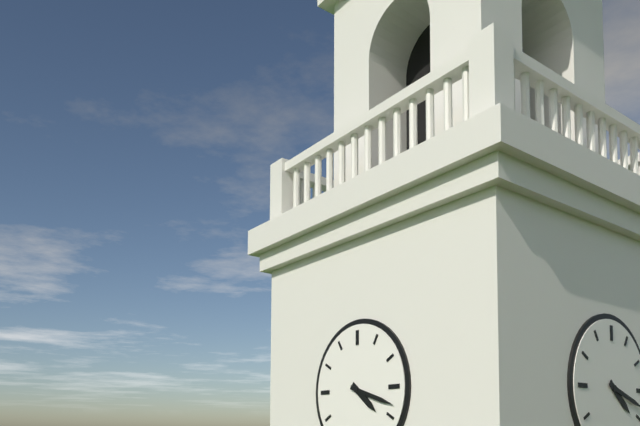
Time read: 4:18
